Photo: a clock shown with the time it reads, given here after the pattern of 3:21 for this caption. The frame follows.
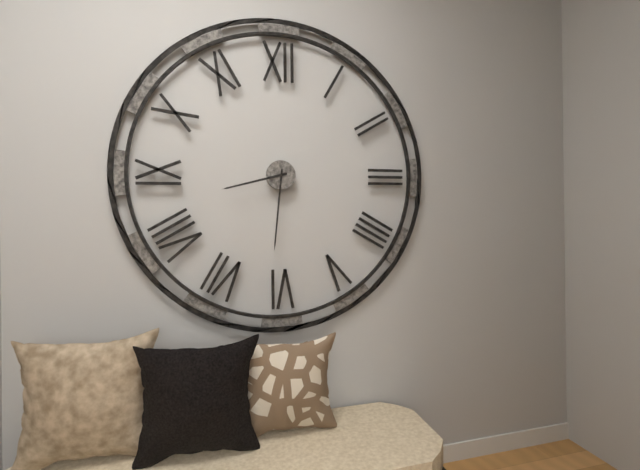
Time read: 8:31
